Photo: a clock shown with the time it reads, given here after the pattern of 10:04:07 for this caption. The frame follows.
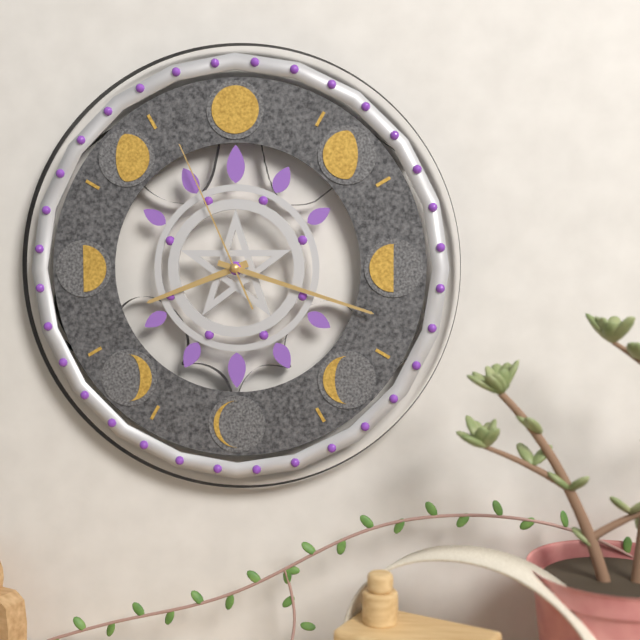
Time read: 8:18:56
